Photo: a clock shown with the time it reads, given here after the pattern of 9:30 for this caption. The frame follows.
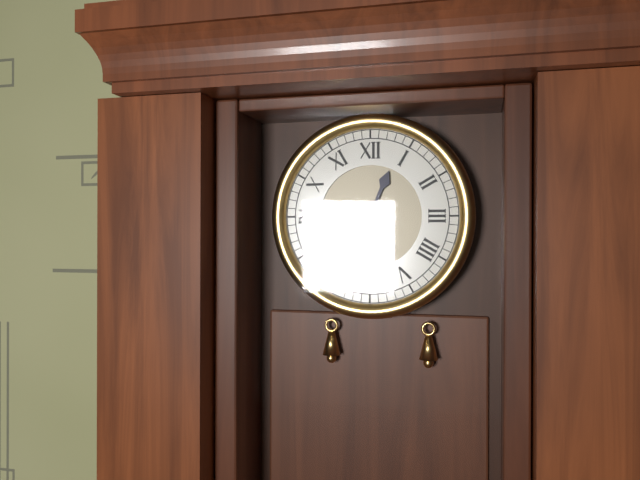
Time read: 12:46
